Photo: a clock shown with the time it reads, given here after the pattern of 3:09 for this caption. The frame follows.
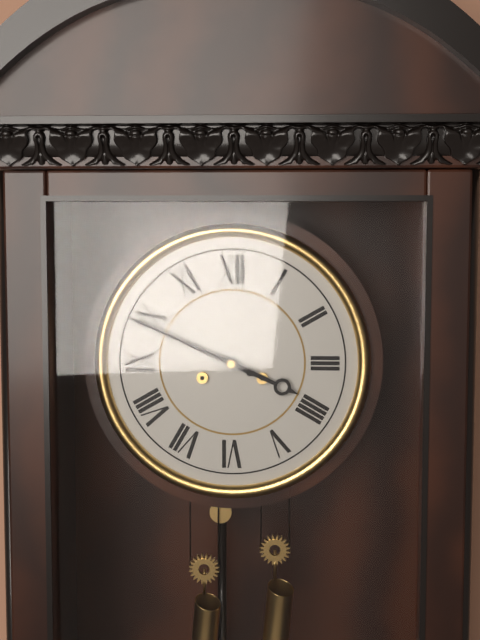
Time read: 3:49
